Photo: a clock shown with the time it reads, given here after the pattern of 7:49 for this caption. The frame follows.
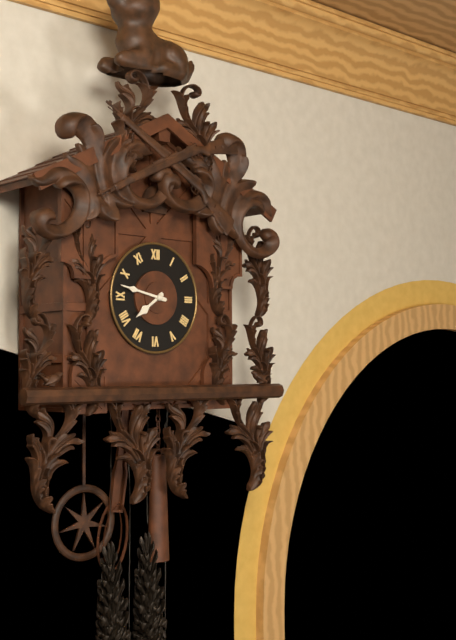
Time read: 7:47
